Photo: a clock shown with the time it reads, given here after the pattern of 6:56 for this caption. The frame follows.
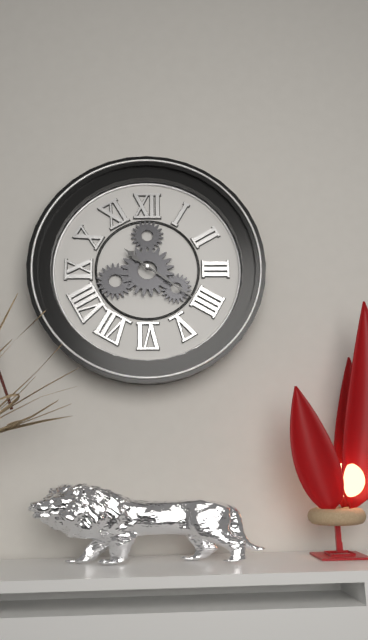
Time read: 10:21
